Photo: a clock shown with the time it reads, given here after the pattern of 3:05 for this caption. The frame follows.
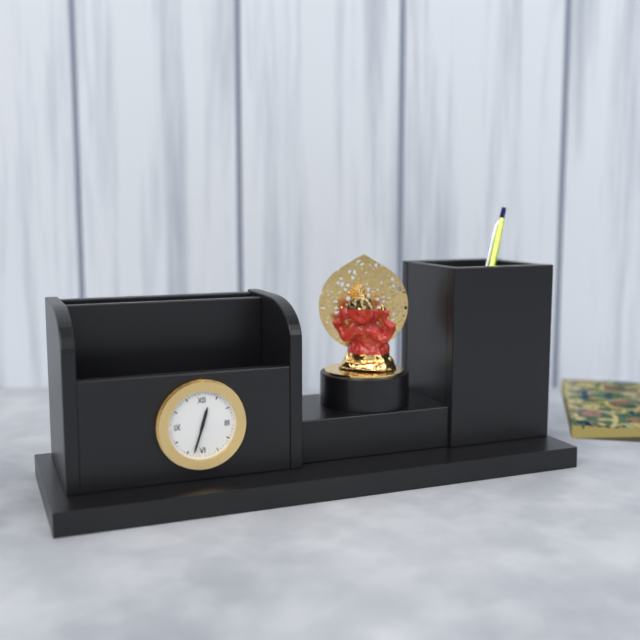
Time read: 12:33
